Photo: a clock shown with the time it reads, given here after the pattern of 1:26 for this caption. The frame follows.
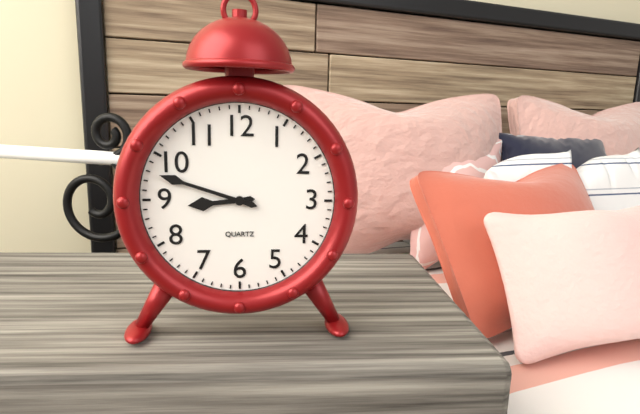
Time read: 8:48
